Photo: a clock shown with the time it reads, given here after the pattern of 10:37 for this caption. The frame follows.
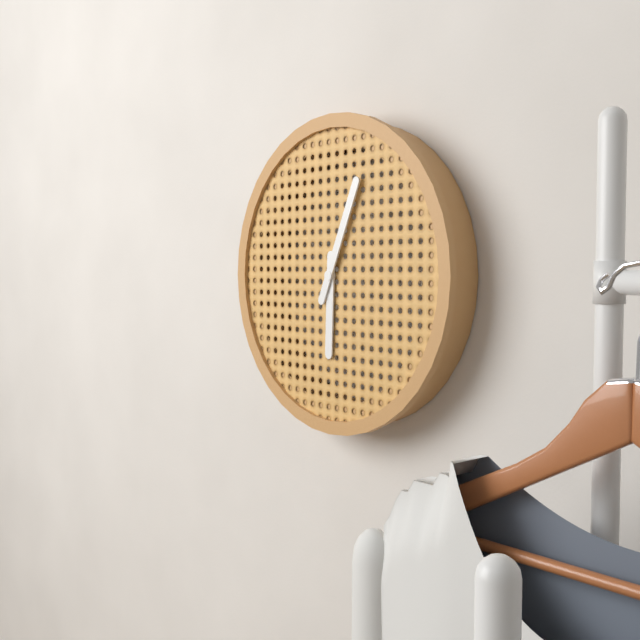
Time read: 6:04
